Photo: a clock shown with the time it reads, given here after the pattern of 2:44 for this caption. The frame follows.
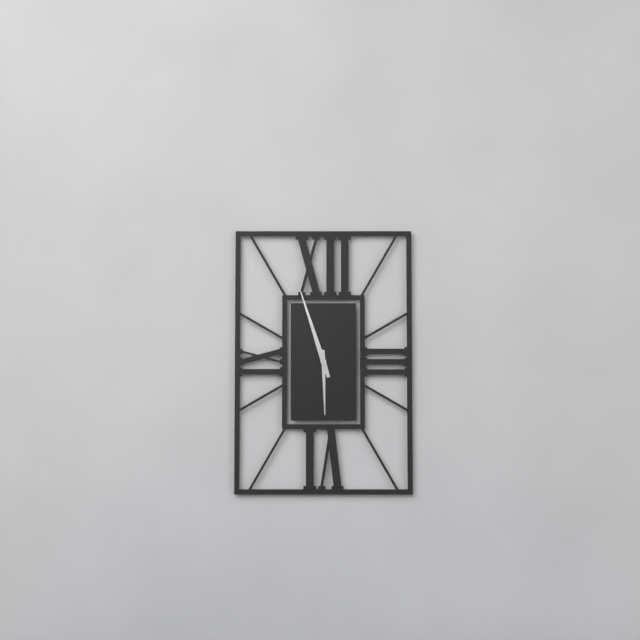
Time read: 5:57
